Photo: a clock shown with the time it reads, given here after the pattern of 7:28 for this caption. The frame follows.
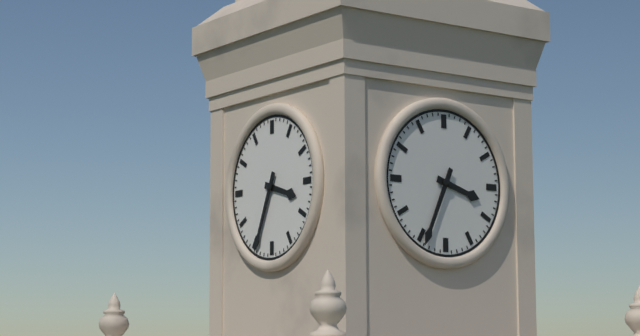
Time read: 3:34
